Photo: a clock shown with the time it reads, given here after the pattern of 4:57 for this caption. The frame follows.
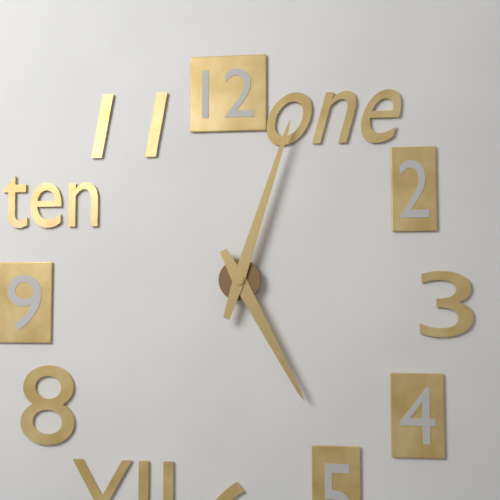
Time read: 5:03
